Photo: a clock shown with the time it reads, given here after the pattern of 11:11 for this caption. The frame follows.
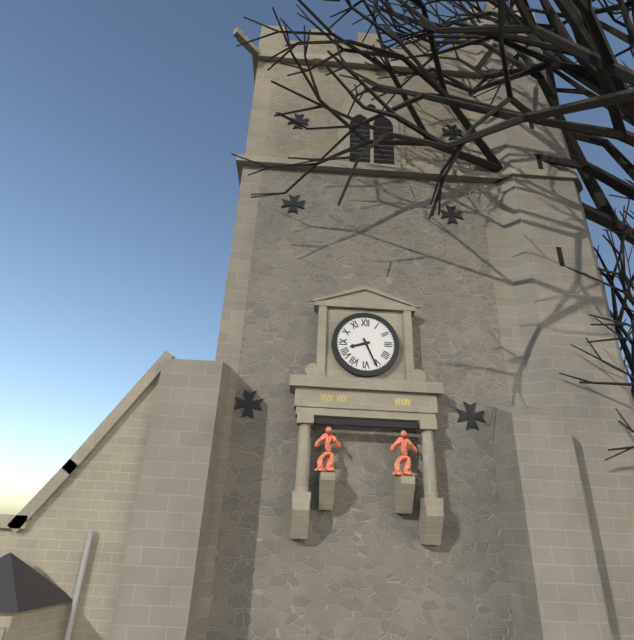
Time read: 8:26
